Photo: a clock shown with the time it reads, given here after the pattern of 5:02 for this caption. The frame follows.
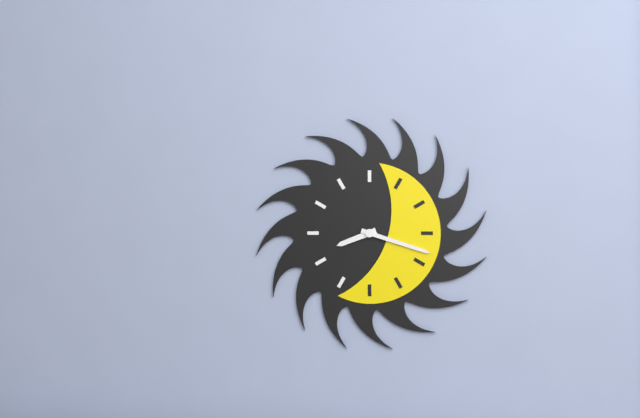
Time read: 8:18
